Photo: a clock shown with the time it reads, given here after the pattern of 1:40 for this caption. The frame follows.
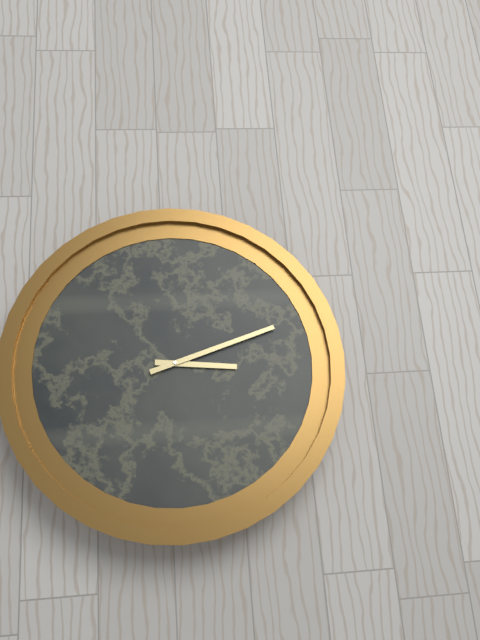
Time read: 3:12
